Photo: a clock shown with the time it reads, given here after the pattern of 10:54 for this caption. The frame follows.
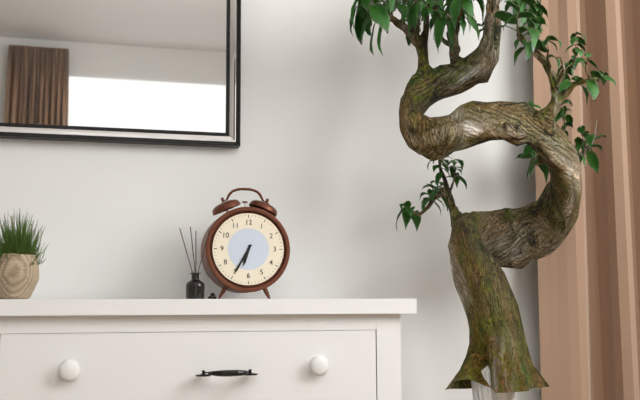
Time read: 6:35
